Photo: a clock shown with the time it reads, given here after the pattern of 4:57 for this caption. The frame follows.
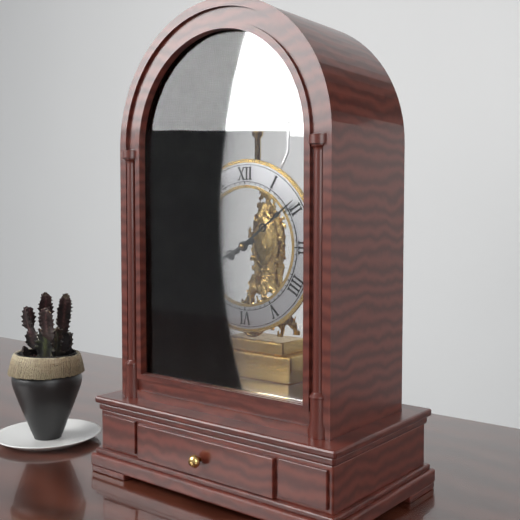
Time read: 8:09
